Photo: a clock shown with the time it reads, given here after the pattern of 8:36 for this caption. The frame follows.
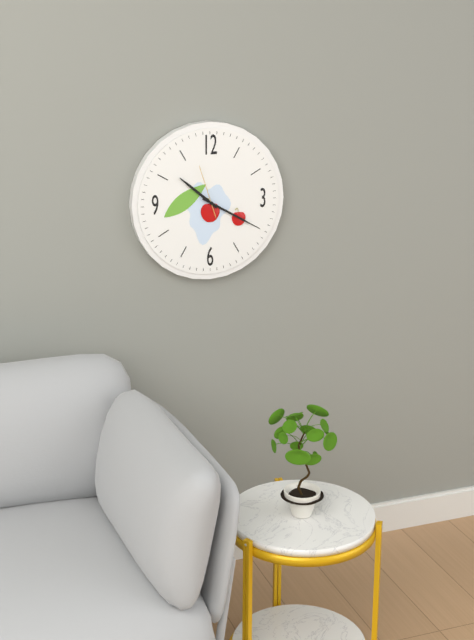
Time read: 10:20
